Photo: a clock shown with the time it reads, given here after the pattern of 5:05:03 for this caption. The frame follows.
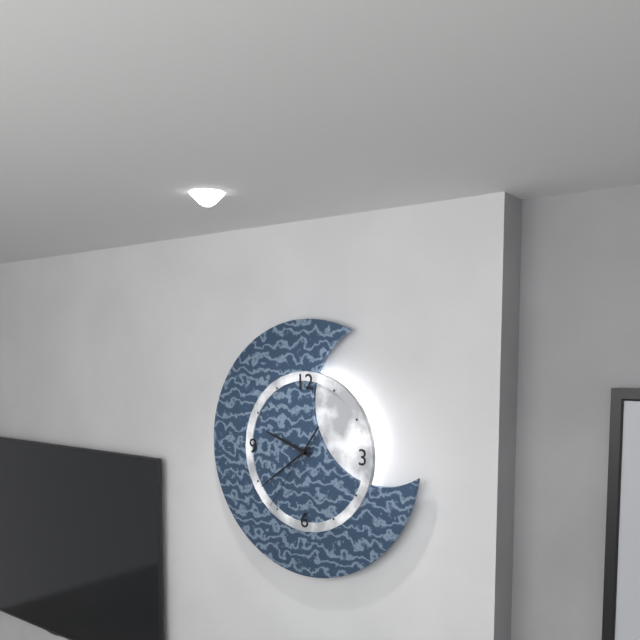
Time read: 9:39:36
